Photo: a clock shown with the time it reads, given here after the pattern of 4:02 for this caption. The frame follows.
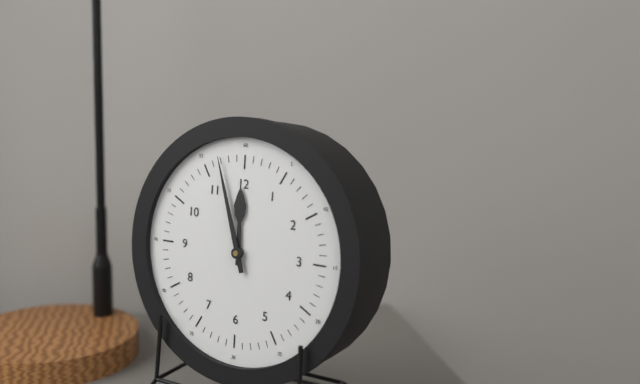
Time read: 11:57
